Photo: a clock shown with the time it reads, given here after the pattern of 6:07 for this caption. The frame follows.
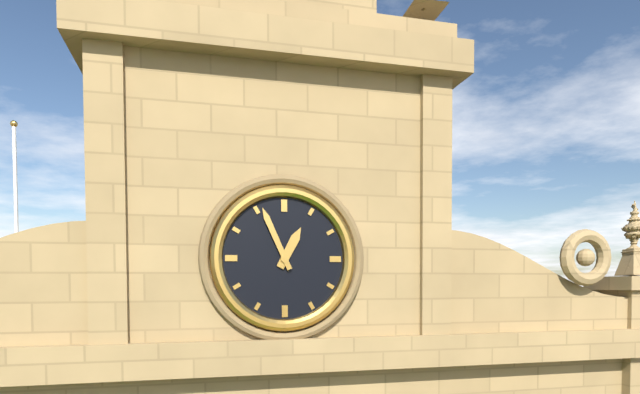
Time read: 12:56
